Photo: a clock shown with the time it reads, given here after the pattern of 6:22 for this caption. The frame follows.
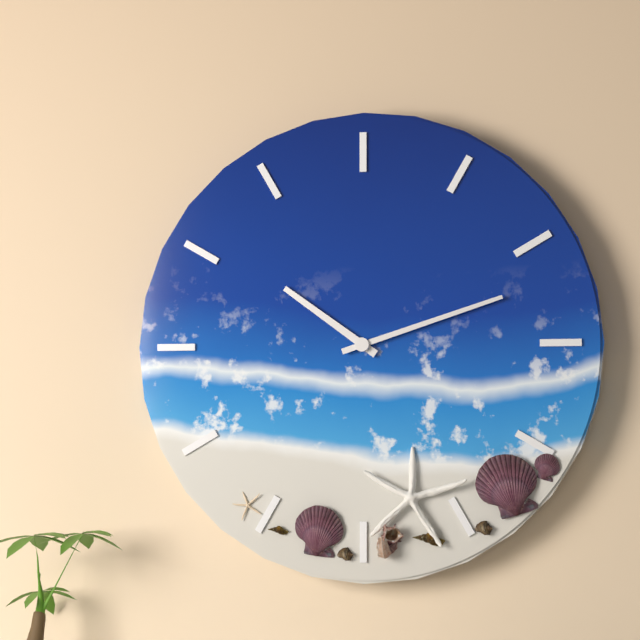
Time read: 10:12
